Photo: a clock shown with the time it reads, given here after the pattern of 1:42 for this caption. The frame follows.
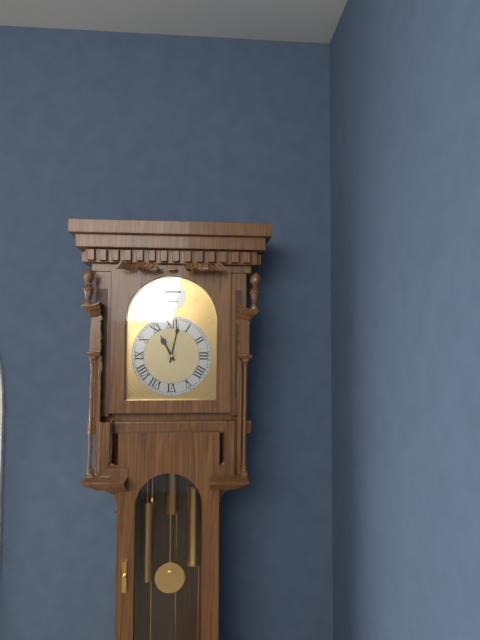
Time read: 11:02
